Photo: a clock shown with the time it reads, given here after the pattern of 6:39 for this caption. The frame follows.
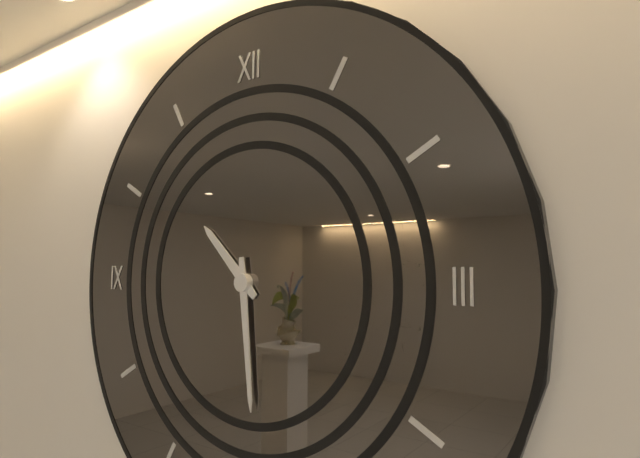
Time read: 10:29
